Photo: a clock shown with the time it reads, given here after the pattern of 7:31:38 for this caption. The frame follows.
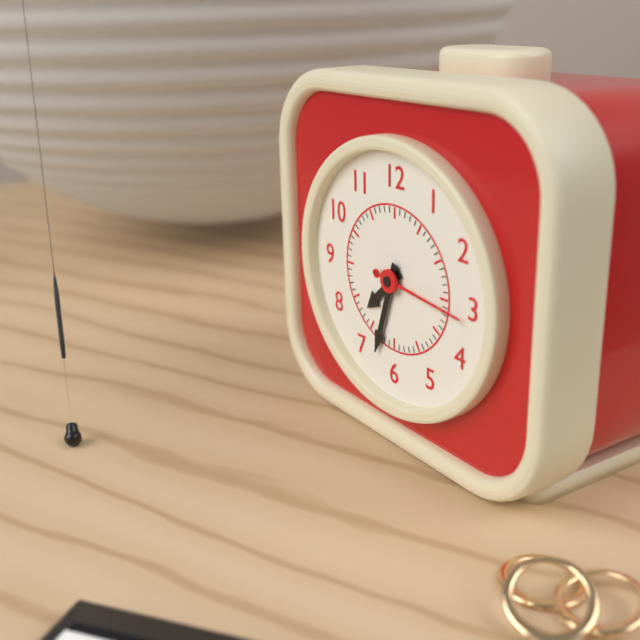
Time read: 7:33:16
